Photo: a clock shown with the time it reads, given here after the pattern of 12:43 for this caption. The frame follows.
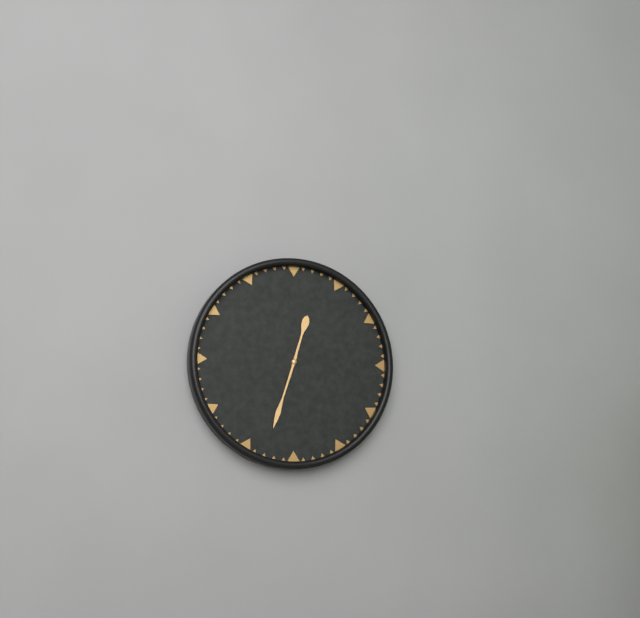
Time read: 12:33
